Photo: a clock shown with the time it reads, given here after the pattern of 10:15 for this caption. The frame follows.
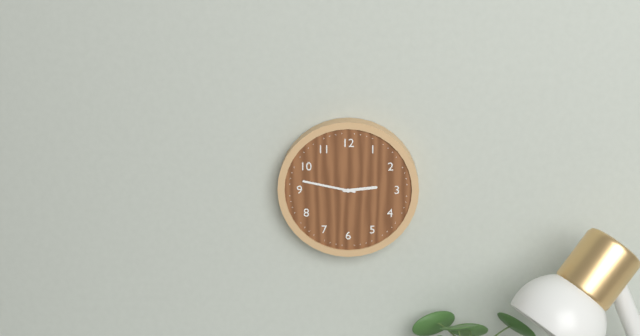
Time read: 2:47
